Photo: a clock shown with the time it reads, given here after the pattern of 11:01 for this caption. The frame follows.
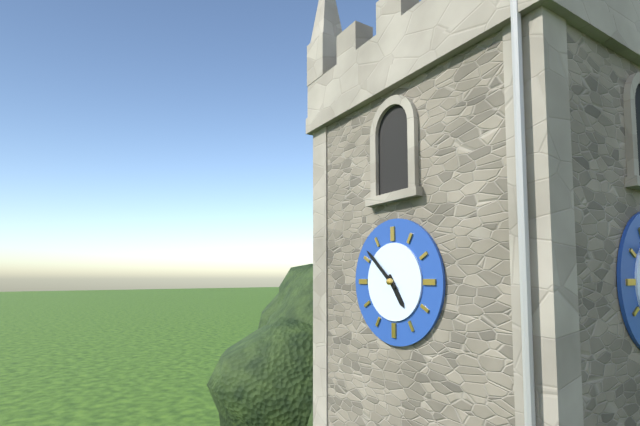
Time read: 4:52
